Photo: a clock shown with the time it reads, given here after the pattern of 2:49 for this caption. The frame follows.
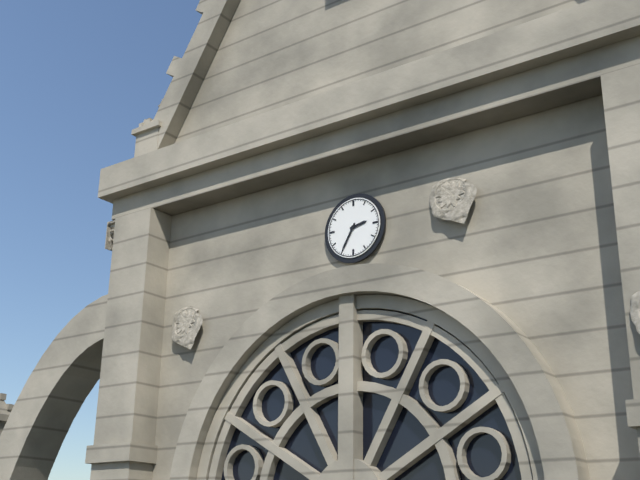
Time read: 2:35
